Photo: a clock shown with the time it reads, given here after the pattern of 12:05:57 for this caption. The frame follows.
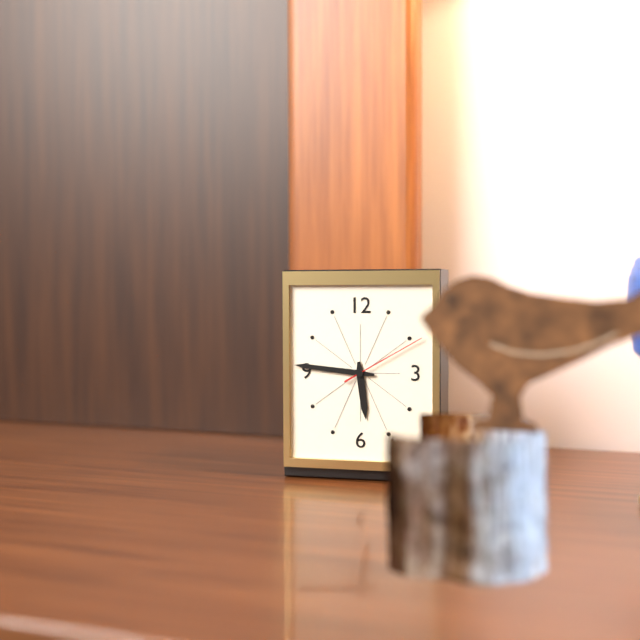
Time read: 5:46:10
